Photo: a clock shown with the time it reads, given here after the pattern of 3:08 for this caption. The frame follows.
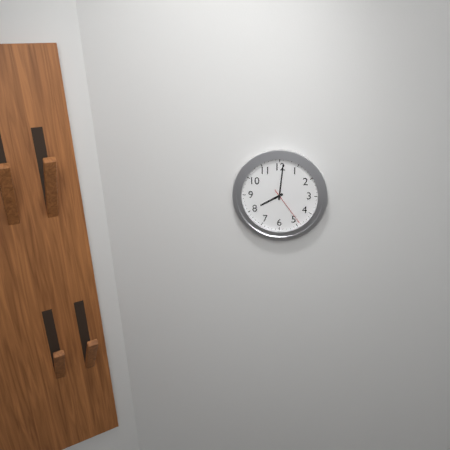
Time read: 8:01
